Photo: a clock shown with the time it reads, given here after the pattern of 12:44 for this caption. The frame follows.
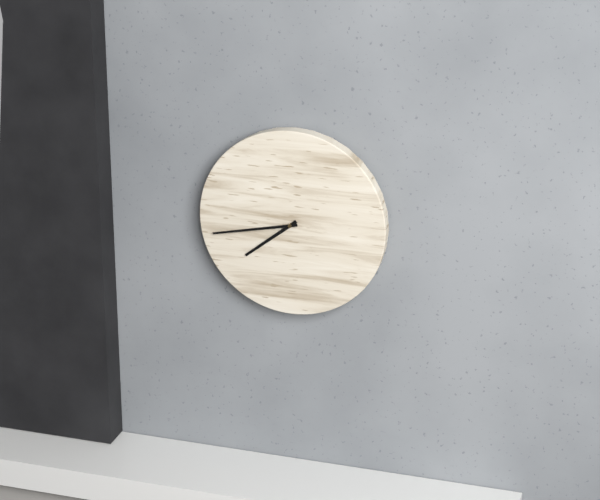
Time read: 7:43
